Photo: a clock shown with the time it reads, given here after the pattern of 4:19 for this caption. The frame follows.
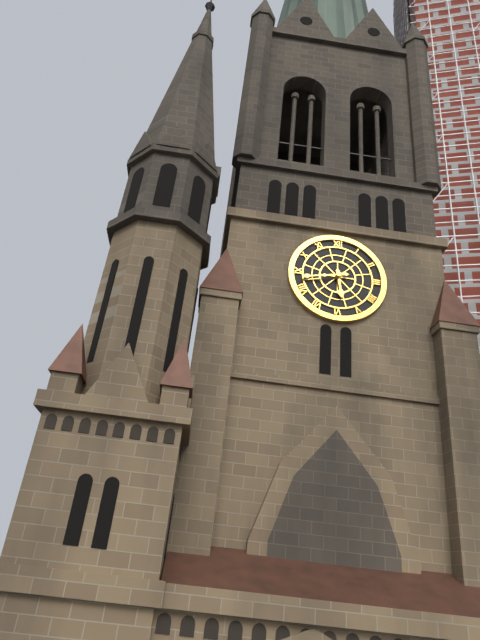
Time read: 5:43
